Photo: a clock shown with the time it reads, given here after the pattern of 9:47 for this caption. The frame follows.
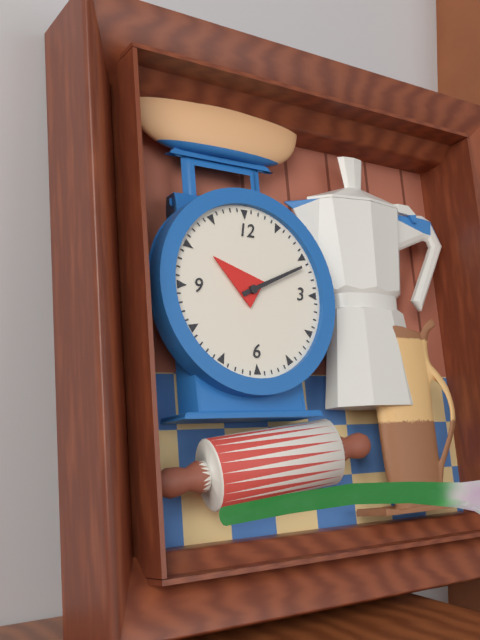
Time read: 10:11
